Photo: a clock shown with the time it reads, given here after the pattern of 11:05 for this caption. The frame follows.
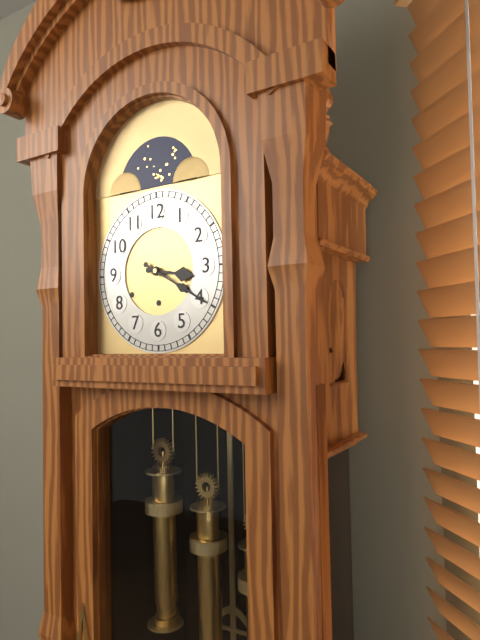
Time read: 3:20
